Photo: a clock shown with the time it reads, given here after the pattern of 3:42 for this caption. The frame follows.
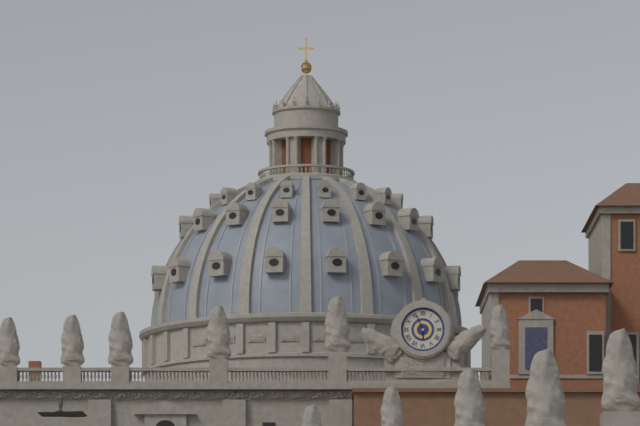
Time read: 5:56
